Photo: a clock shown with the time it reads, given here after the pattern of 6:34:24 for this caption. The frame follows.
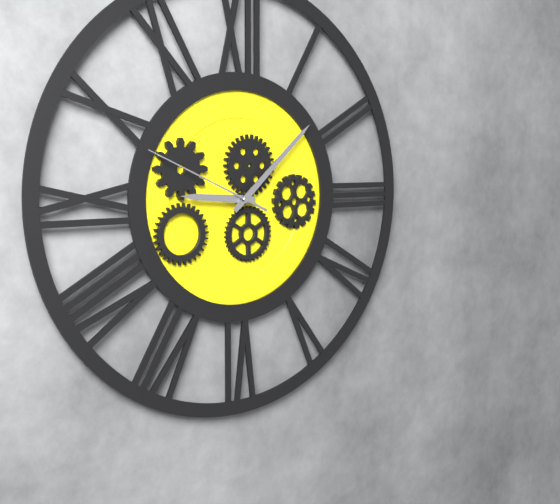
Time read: 9:08:49
